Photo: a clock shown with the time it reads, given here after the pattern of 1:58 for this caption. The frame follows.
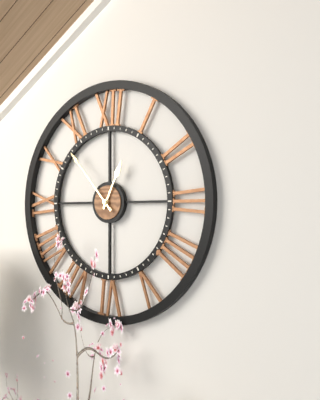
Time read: 12:53
